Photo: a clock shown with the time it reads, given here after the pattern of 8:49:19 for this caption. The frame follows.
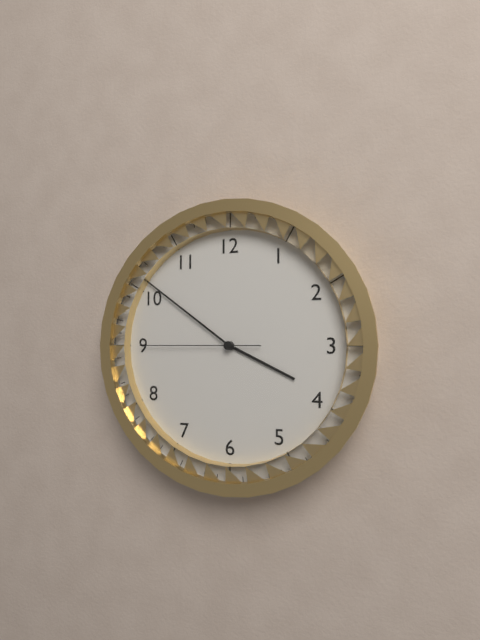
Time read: 3:51:45
